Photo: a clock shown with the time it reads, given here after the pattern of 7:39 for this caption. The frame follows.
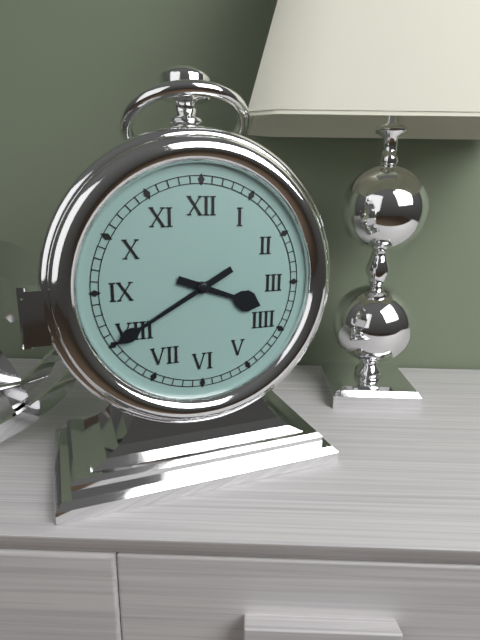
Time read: 3:40
